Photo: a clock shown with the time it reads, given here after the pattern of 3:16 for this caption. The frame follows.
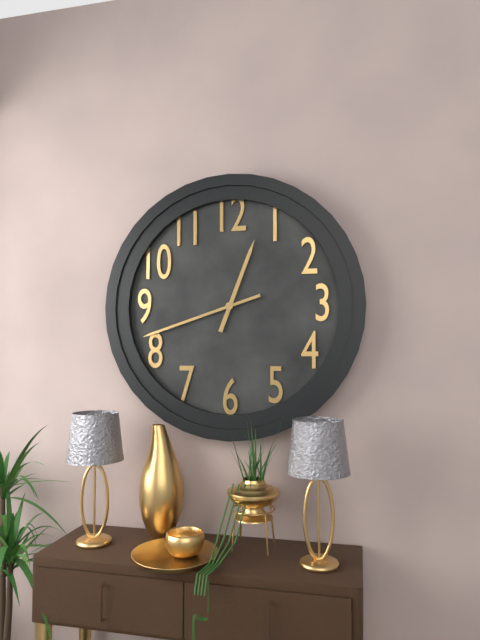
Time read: 12:42
